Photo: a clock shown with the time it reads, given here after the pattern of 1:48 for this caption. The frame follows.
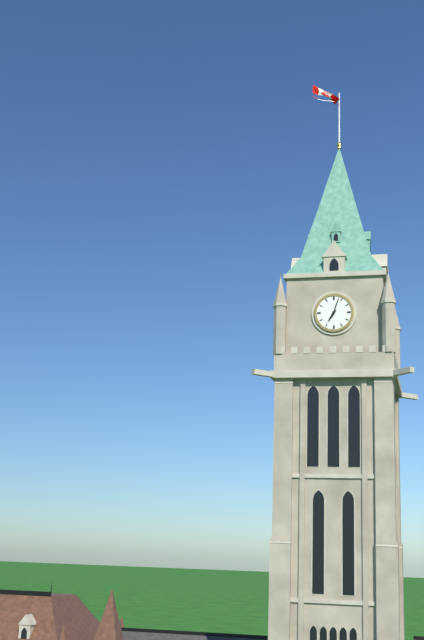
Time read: 7:03
